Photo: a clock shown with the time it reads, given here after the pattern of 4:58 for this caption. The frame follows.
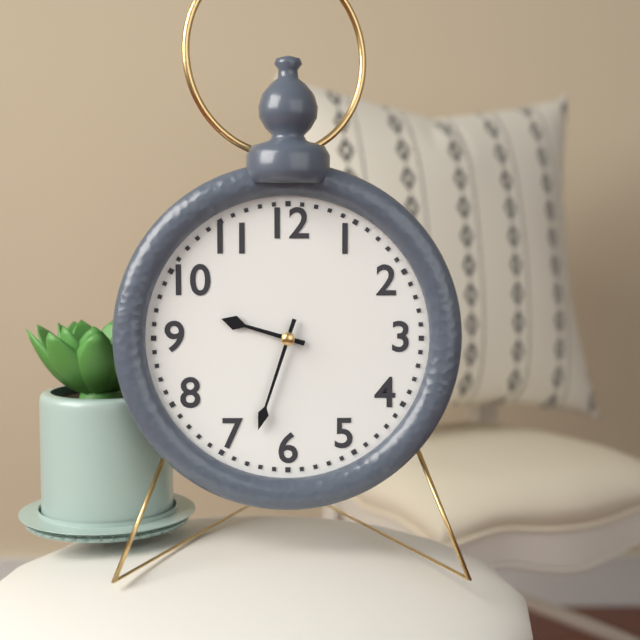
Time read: 9:33
